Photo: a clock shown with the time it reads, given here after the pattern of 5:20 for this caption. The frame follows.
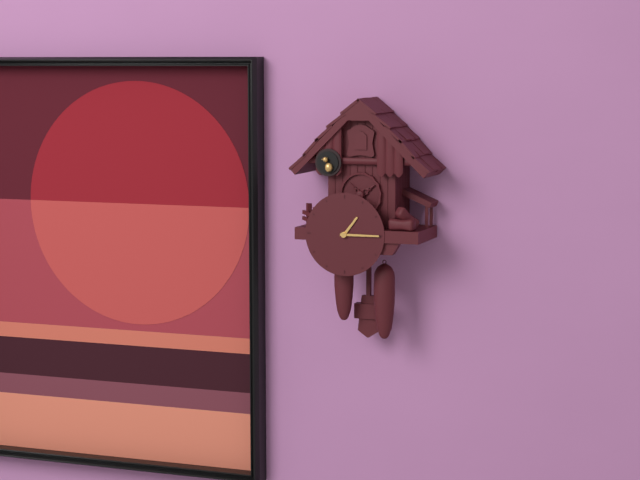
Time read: 1:15
